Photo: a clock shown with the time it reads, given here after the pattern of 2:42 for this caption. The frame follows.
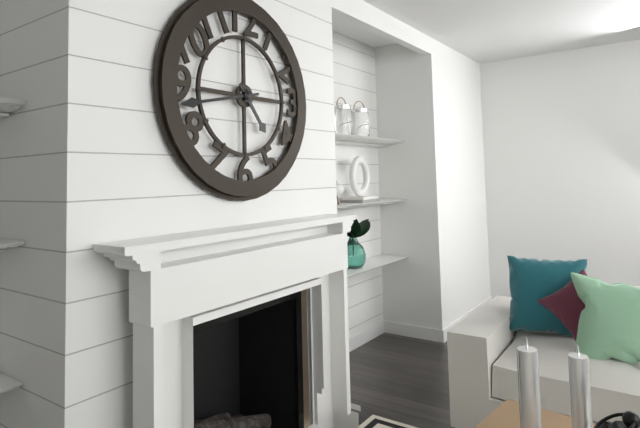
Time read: 4:43
